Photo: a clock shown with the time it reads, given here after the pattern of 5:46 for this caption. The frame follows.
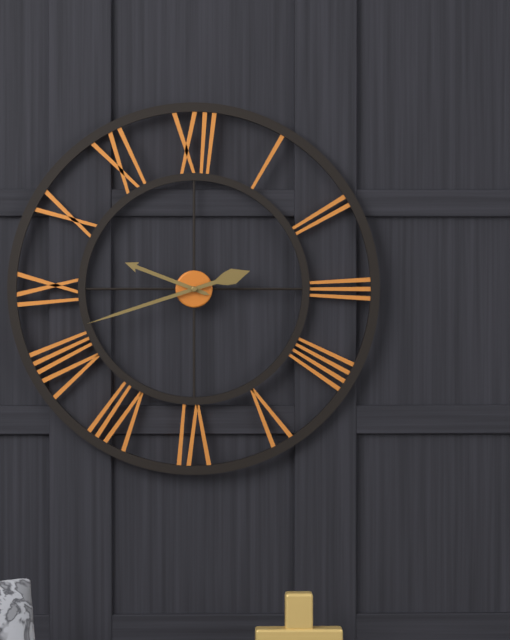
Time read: 9:42
